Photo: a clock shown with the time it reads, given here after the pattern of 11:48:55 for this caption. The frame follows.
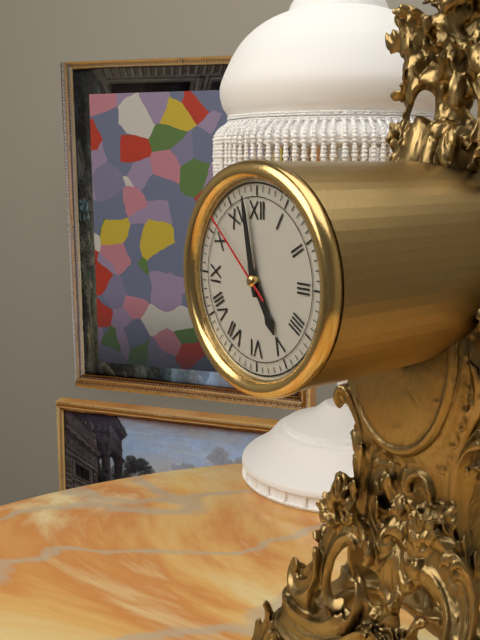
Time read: 4:58:52
